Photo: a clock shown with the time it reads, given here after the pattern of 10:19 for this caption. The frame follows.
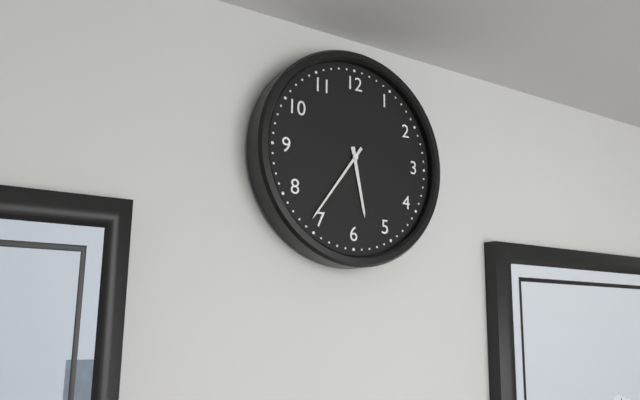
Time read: 5:36
